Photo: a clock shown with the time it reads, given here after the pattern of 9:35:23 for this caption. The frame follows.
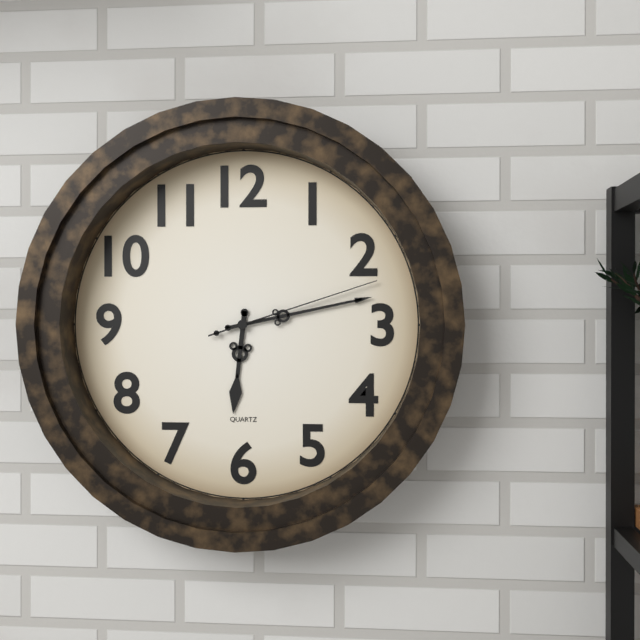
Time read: 6:13:12
